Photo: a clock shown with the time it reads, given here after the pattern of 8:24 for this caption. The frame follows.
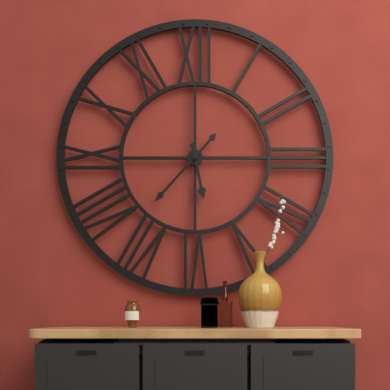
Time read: 5:37
